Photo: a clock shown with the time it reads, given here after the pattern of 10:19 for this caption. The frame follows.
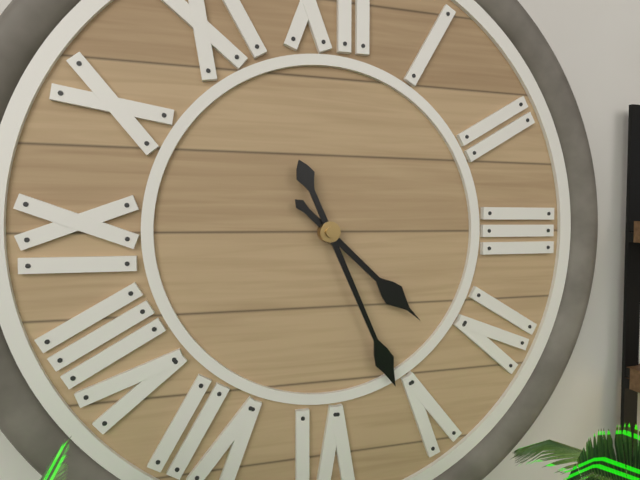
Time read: 4:26
